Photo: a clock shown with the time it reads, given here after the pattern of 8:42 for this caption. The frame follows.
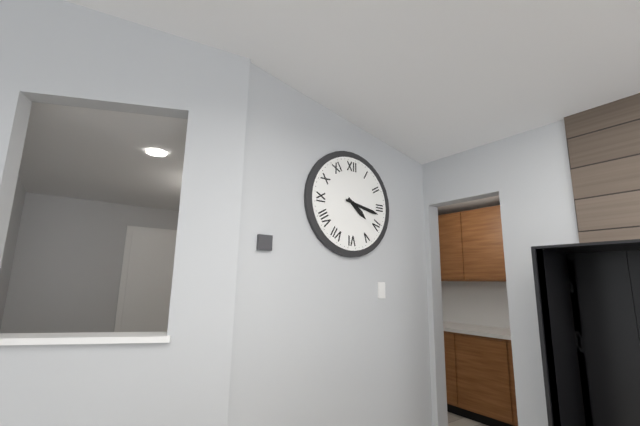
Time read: 4:17
